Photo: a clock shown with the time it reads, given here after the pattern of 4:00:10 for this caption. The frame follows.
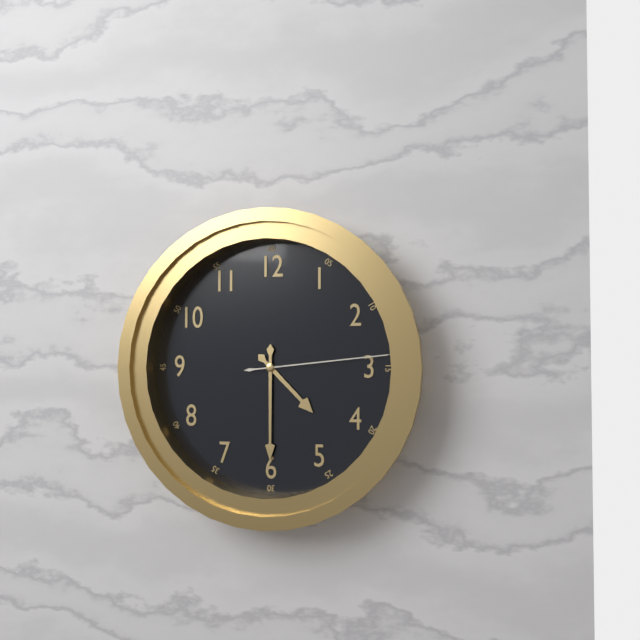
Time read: 4:30:14
